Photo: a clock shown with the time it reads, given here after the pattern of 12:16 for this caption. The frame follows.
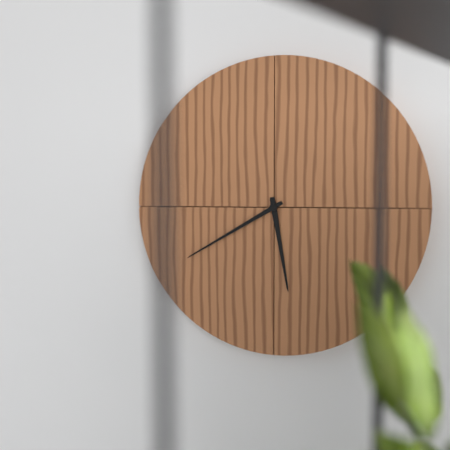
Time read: 5:40
